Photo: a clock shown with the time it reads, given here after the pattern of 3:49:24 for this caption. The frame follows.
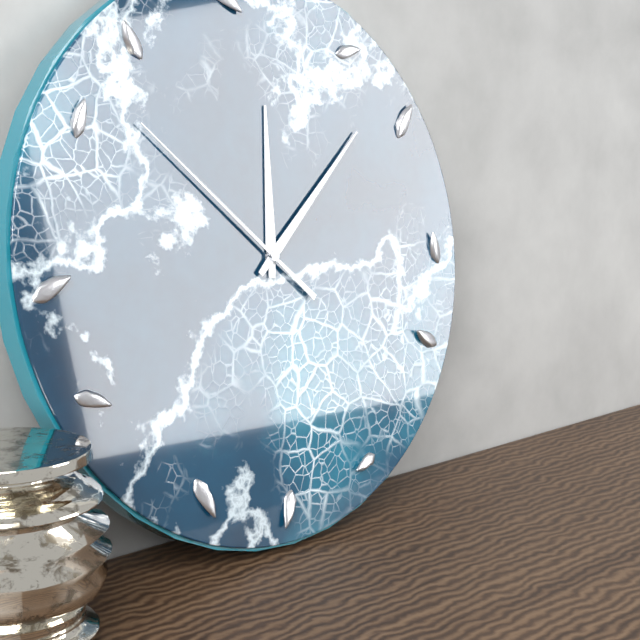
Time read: 12:08:52
